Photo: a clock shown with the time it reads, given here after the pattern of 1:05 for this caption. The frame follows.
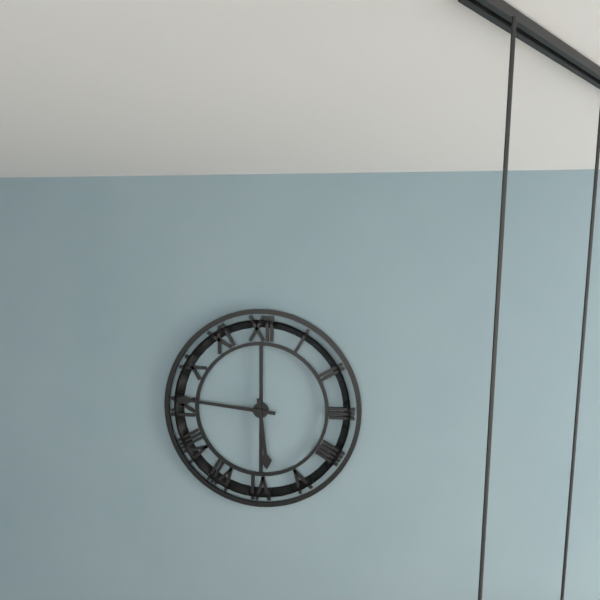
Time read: 5:46
